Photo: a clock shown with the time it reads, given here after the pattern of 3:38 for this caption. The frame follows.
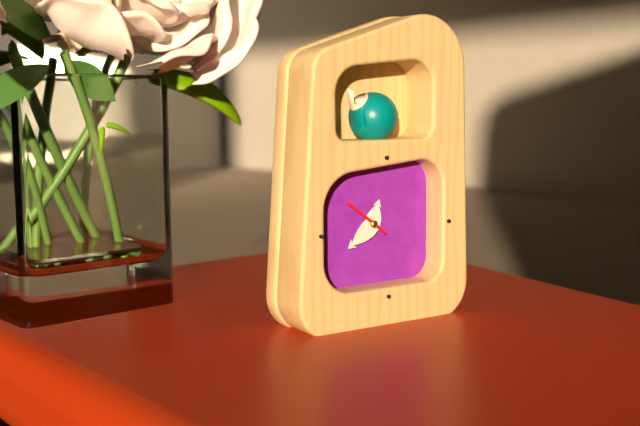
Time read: 12:39
